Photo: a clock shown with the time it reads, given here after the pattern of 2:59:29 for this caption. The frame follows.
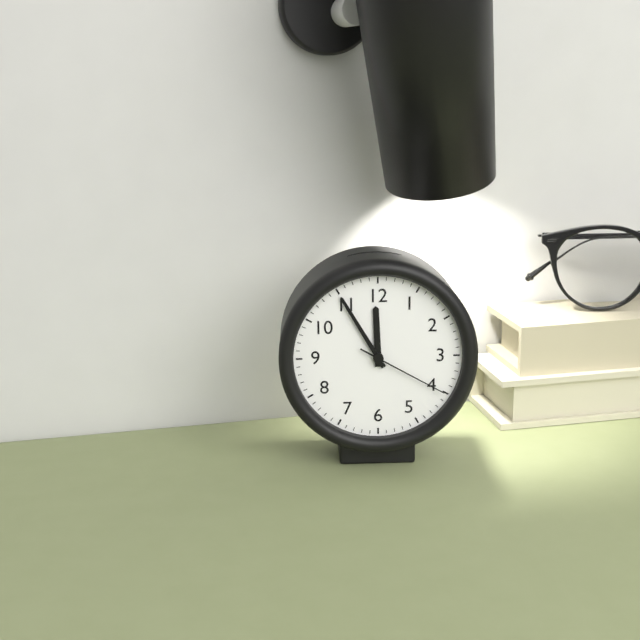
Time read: 11:55:20
